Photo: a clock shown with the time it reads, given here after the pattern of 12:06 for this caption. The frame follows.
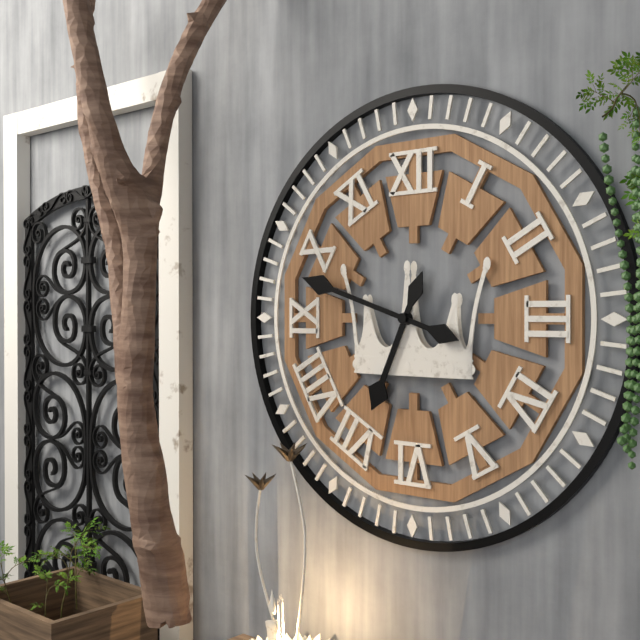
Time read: 6:48
